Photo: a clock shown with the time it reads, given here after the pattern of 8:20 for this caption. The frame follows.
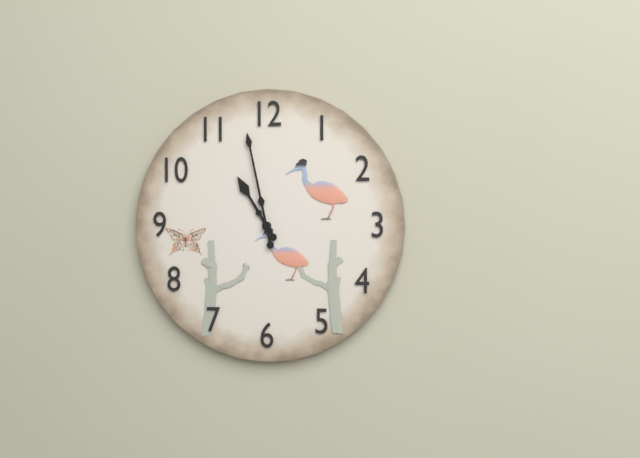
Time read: 10:58
